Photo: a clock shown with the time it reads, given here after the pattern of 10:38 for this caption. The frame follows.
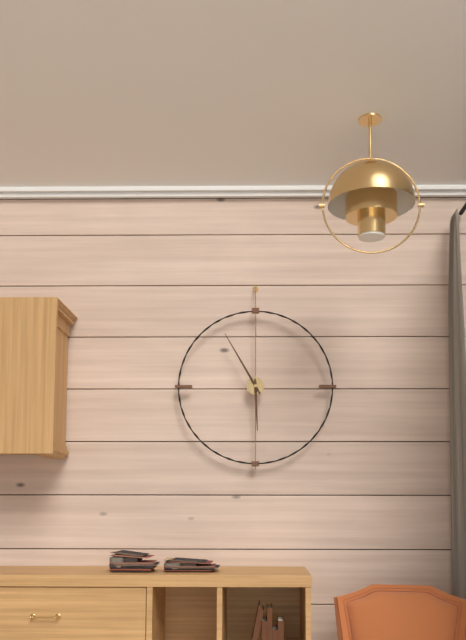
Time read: 5:55
